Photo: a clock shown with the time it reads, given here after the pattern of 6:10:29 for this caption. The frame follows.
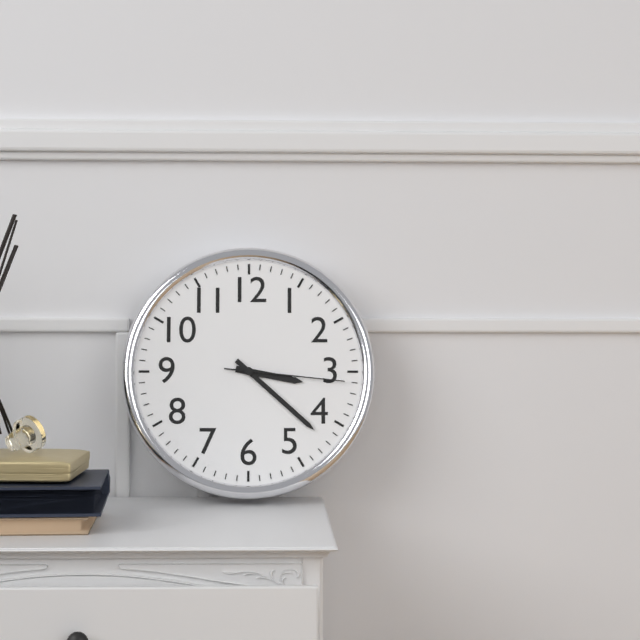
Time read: 3:22:16
